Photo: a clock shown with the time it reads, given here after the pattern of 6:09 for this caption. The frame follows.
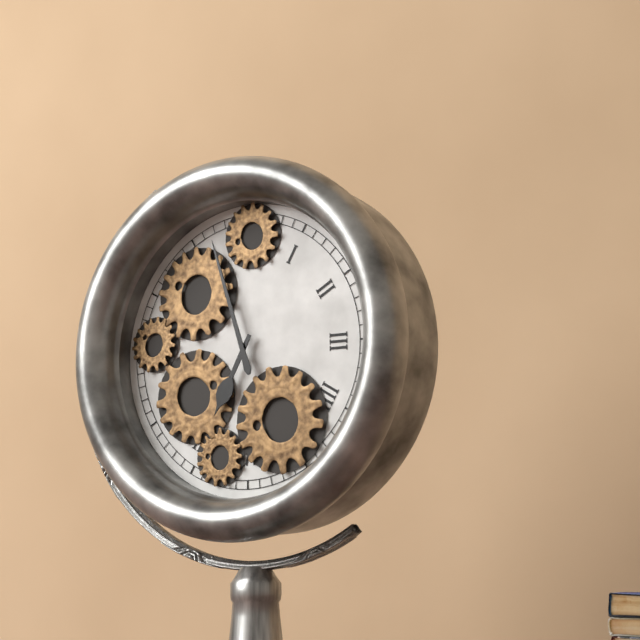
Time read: 6:57
